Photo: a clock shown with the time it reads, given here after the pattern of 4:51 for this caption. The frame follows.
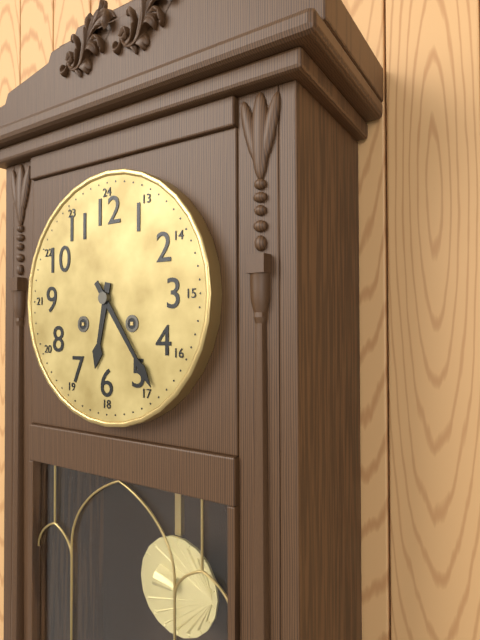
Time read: 6:24
